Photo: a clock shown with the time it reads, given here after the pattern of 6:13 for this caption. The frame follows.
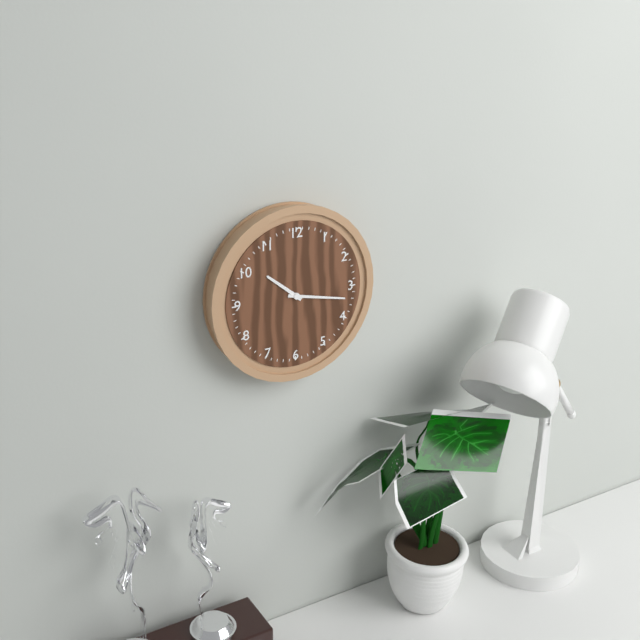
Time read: 10:17
